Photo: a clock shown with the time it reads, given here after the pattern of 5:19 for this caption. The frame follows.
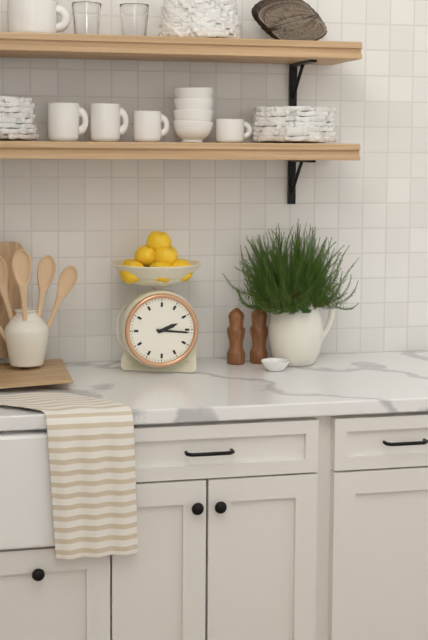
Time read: 2:16
